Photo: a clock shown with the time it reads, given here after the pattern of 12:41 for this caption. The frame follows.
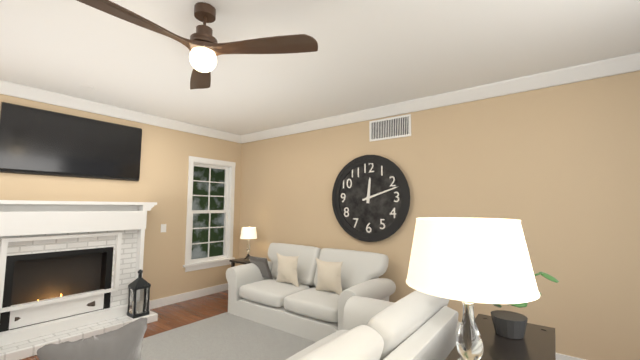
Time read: 12:12
